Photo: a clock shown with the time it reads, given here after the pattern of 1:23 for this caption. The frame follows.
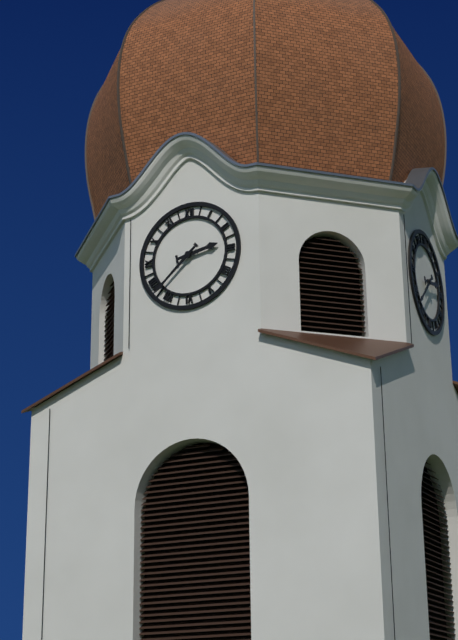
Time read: 2:38
